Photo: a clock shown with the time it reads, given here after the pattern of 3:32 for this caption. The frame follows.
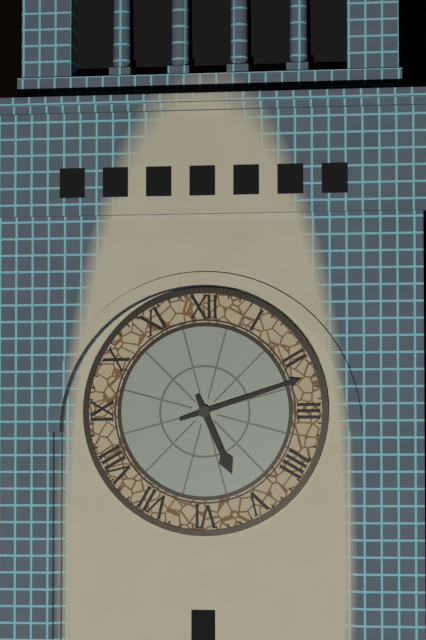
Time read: 5:12
